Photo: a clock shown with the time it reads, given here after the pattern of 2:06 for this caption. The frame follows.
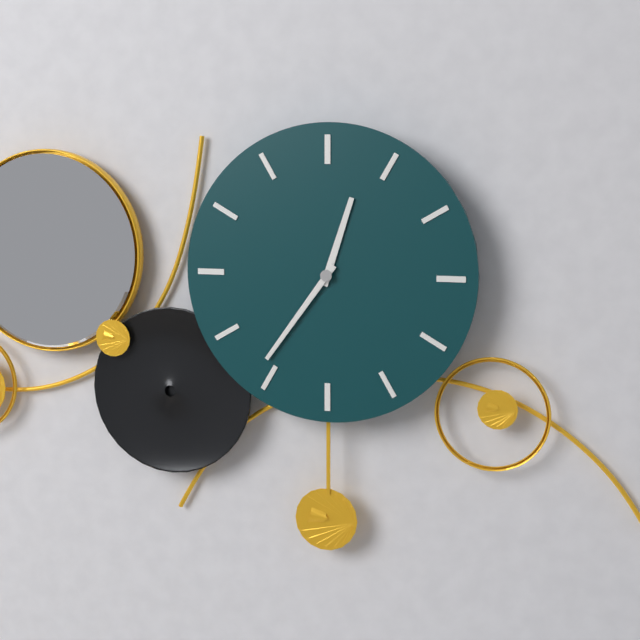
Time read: 12:36
